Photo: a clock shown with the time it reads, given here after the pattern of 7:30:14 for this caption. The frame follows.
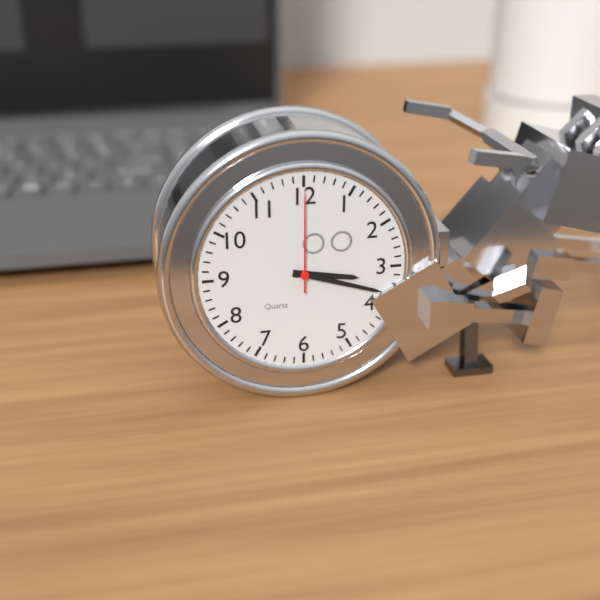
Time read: 3:18:00
